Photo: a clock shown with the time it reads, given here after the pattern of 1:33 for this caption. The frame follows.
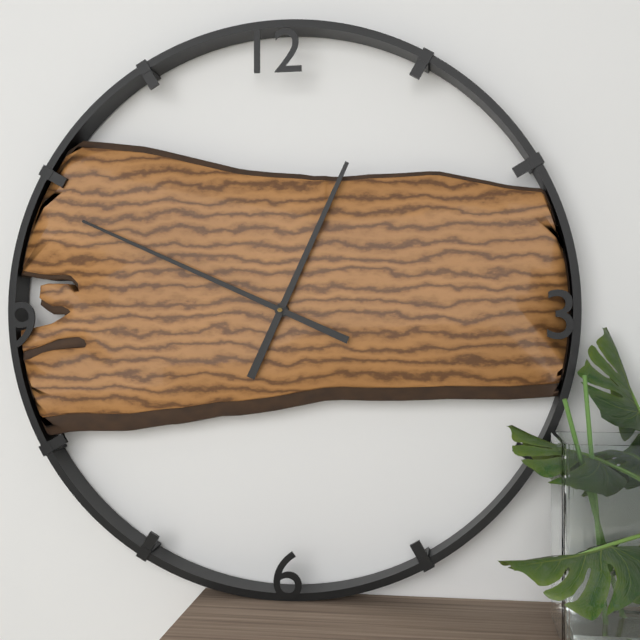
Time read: 12:49
